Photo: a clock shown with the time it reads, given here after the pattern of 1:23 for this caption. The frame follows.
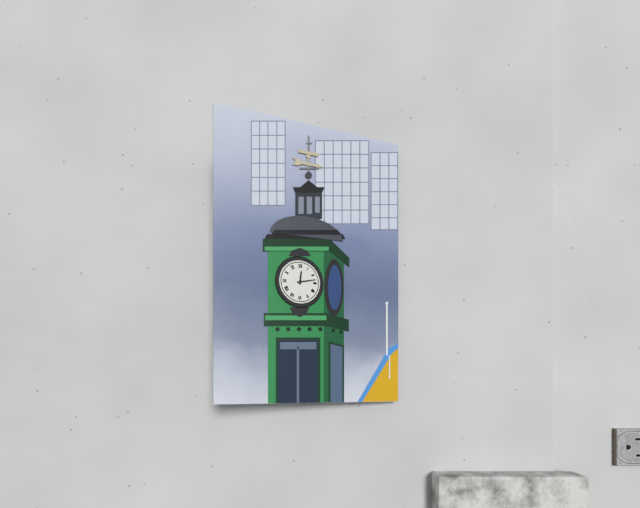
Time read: 12:13
